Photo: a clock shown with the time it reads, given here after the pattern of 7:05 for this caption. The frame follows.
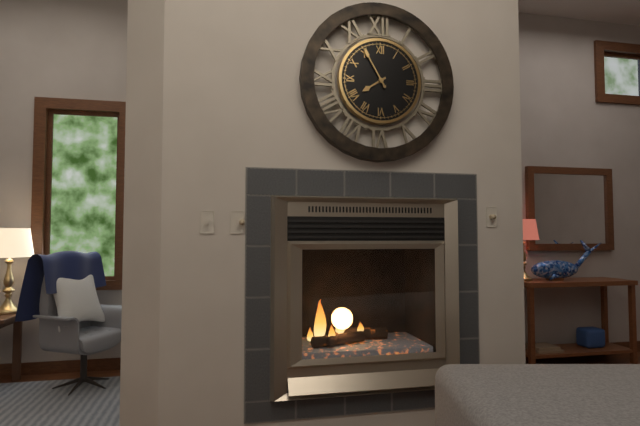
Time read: 7:55
